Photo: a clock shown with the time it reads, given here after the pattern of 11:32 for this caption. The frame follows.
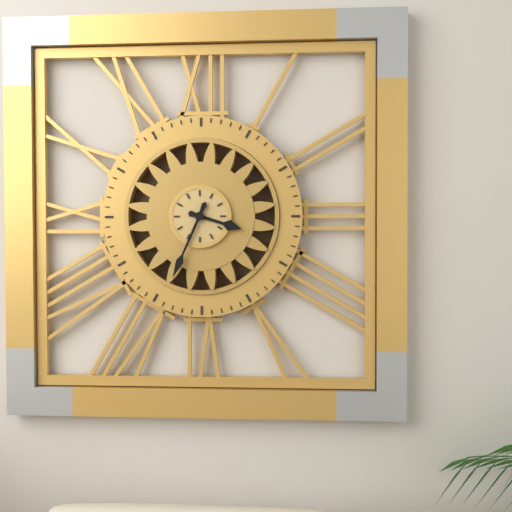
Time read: 3:34
